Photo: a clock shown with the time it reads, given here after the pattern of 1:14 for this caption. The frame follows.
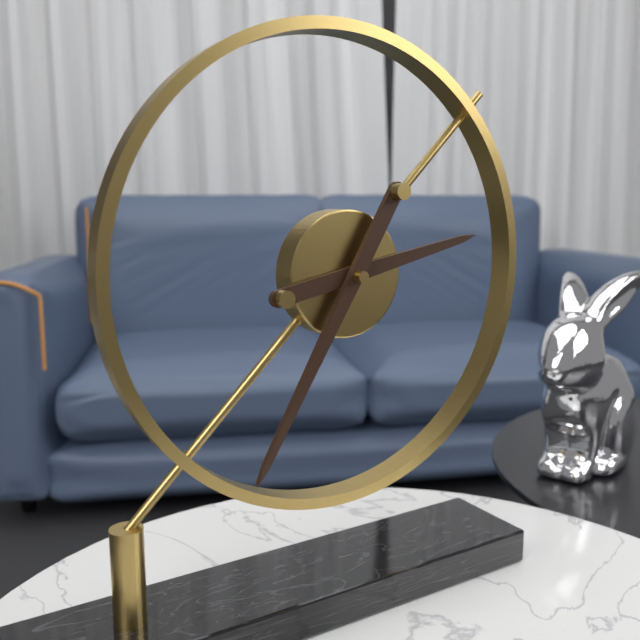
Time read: 2:35
